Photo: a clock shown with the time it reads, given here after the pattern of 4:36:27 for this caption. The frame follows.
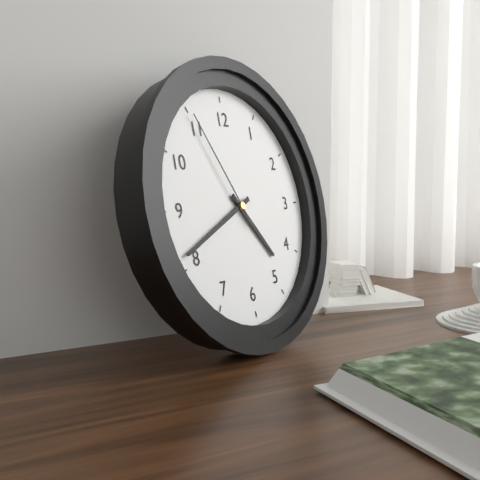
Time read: 4:41:55
